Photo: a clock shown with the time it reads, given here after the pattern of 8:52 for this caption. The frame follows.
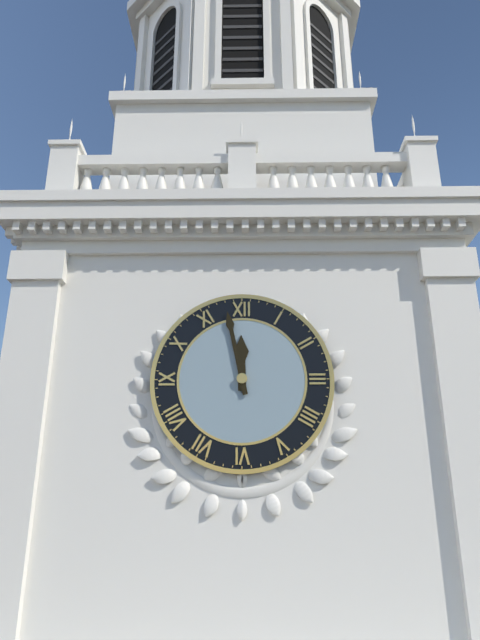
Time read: 11:58
